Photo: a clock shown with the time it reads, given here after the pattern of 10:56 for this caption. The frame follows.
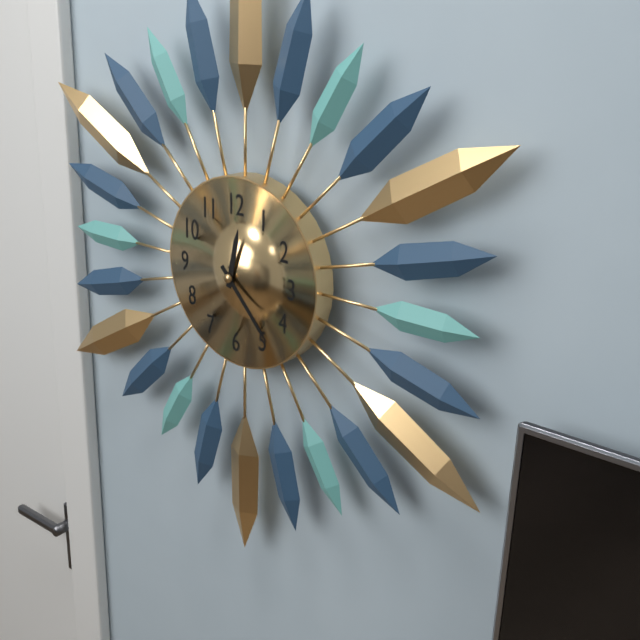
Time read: 12:23
